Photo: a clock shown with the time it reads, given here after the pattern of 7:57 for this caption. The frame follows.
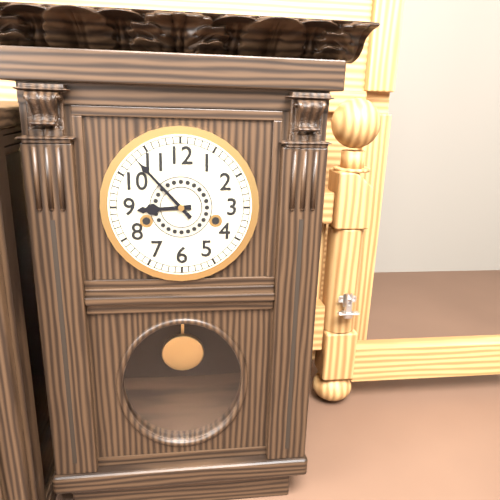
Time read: 8:53
